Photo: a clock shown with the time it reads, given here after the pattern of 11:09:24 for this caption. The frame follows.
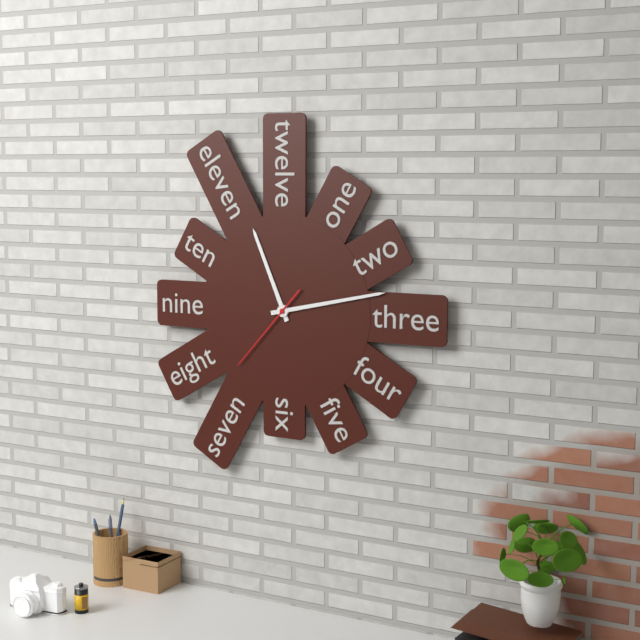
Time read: 11:13:37
